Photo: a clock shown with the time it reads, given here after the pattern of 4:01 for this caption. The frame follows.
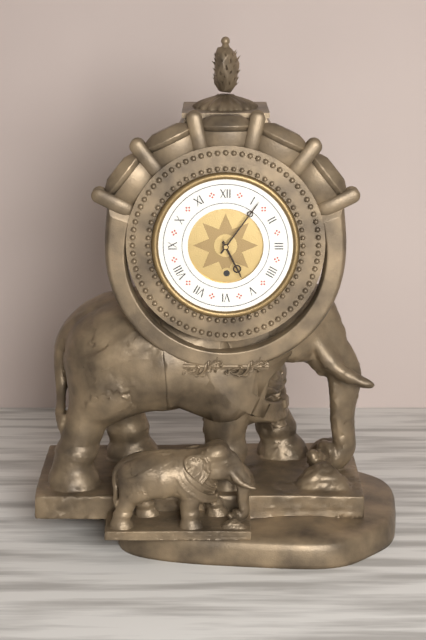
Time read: 5:06
